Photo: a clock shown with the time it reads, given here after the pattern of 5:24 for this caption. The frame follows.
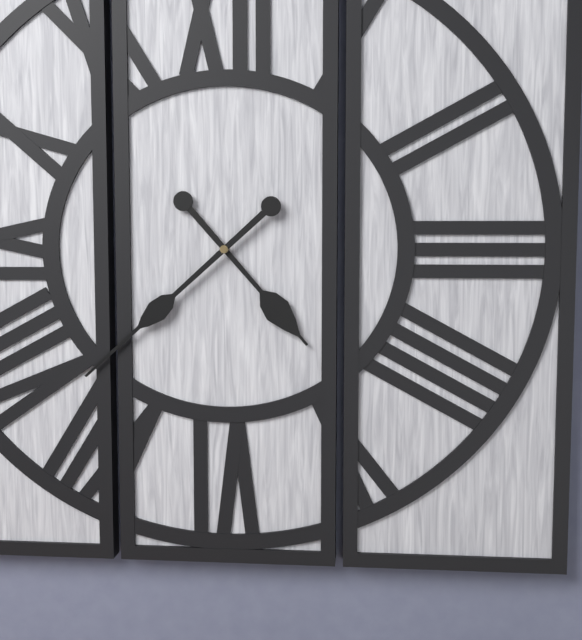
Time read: 4:38
